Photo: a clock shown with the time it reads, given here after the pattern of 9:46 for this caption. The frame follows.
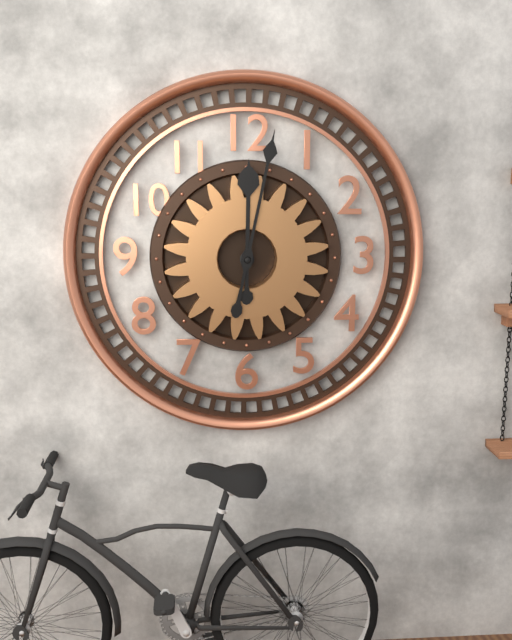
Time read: 12:02
